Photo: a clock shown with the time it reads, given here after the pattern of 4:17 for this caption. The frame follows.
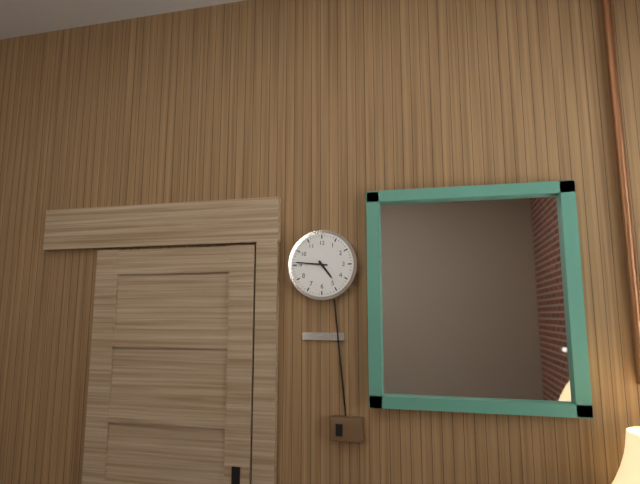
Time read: 4:46
